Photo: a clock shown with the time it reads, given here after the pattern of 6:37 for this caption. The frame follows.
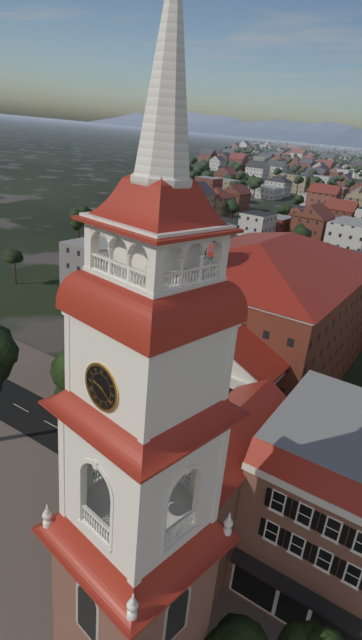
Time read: 9:20
